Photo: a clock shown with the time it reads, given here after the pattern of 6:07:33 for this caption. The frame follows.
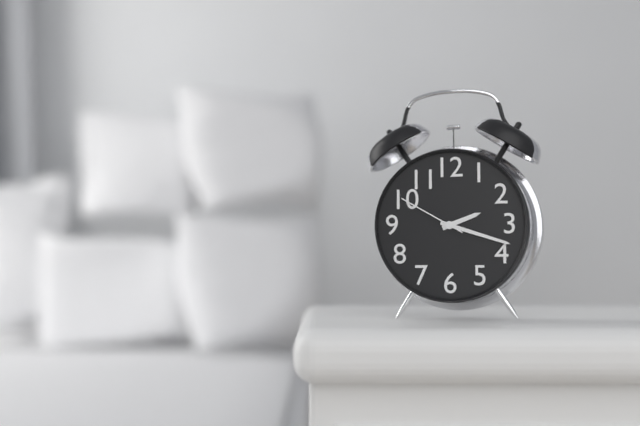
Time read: 2:18:50
